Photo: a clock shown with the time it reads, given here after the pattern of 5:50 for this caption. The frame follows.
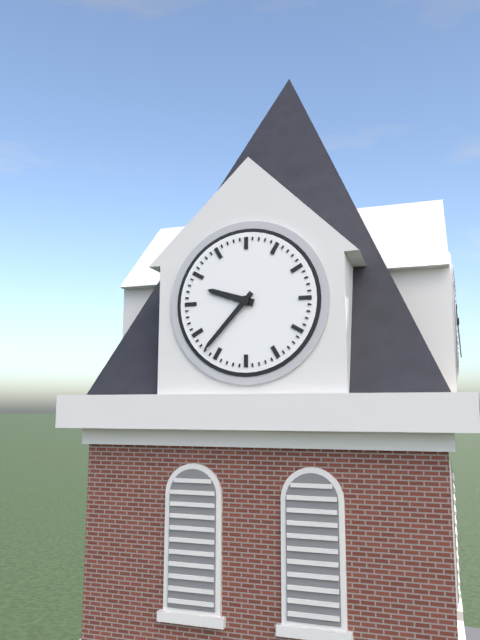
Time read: 9:37
